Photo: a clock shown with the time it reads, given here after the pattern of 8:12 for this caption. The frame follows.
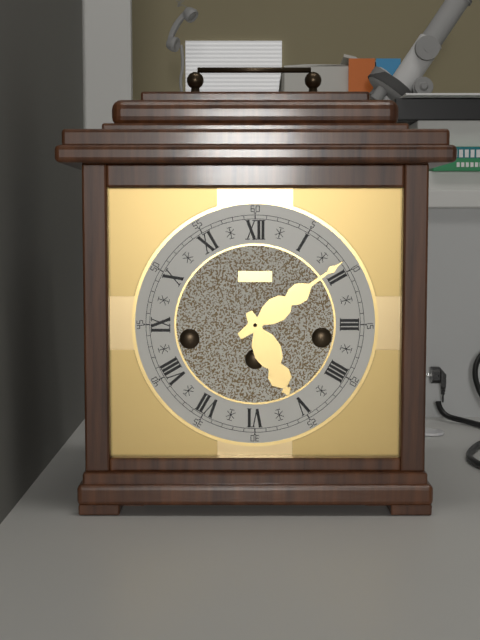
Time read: 5:09
